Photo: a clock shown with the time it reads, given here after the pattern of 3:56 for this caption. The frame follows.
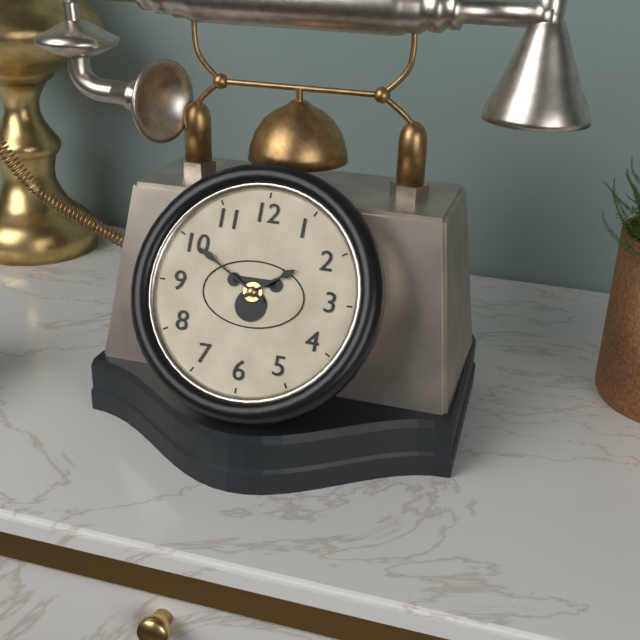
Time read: 1:50
